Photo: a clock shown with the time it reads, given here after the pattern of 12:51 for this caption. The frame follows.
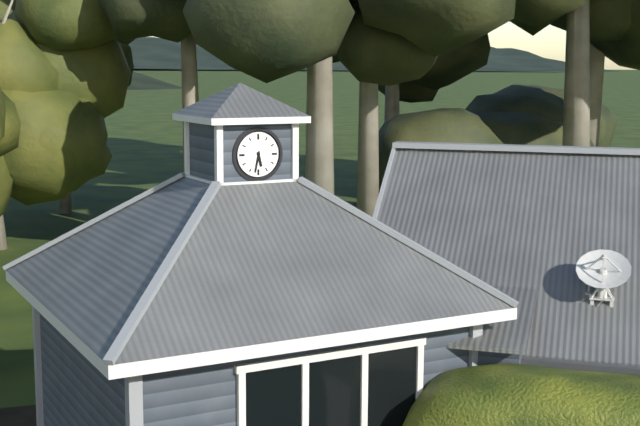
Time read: 5:32
